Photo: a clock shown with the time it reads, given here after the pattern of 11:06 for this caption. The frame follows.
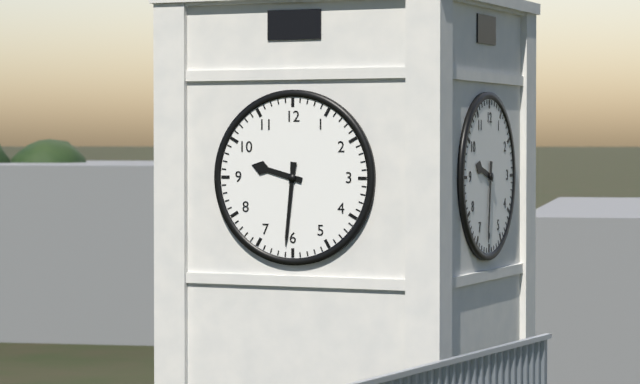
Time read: 9:31
